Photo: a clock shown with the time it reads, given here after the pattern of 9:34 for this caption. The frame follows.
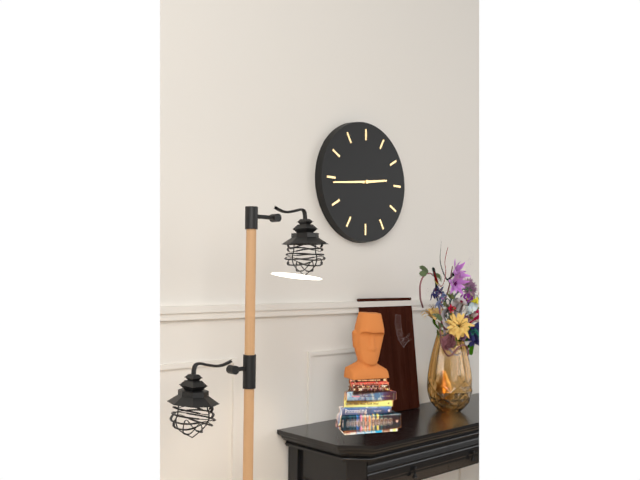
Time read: 2:44
